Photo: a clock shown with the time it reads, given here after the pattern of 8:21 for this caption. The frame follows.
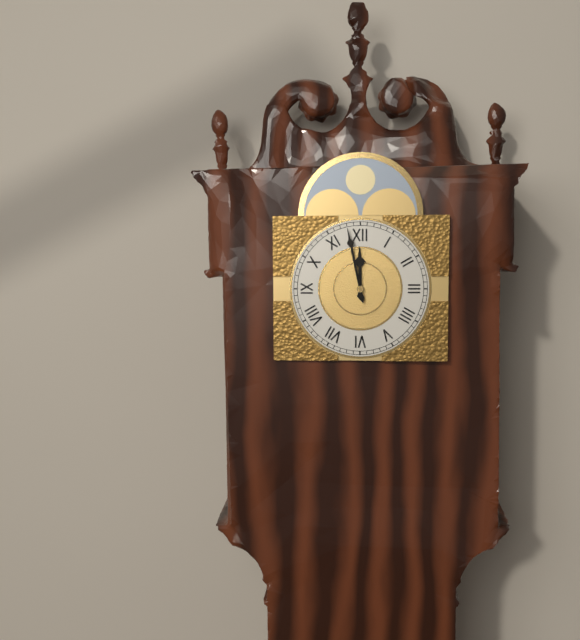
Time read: 11:58
